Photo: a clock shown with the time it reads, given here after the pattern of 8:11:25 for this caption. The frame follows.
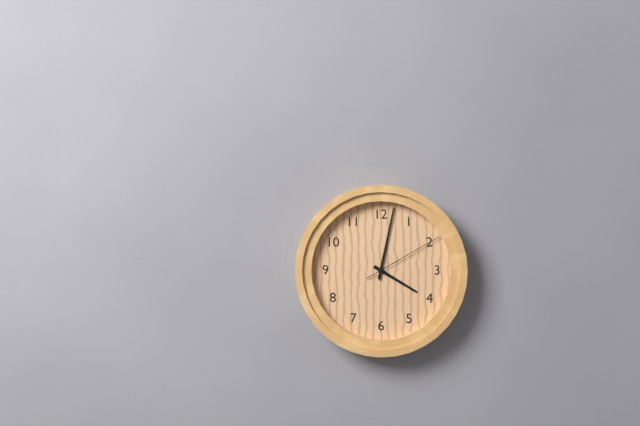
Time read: 4:02:10
